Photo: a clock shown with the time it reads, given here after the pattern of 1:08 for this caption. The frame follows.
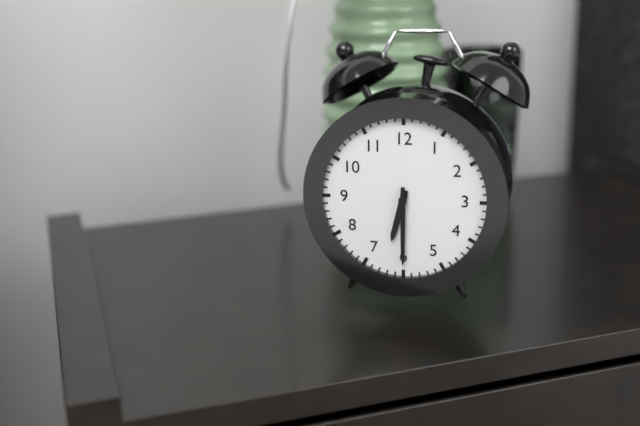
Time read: 6:30
